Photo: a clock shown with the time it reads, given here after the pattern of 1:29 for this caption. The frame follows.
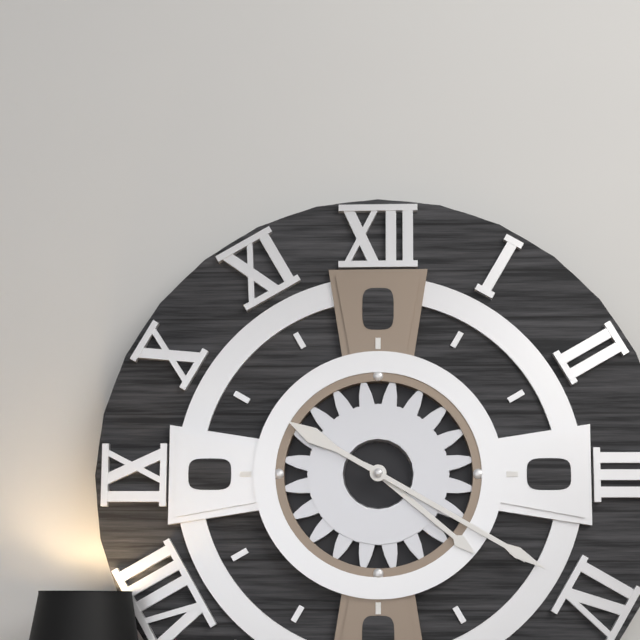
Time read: 4:20
